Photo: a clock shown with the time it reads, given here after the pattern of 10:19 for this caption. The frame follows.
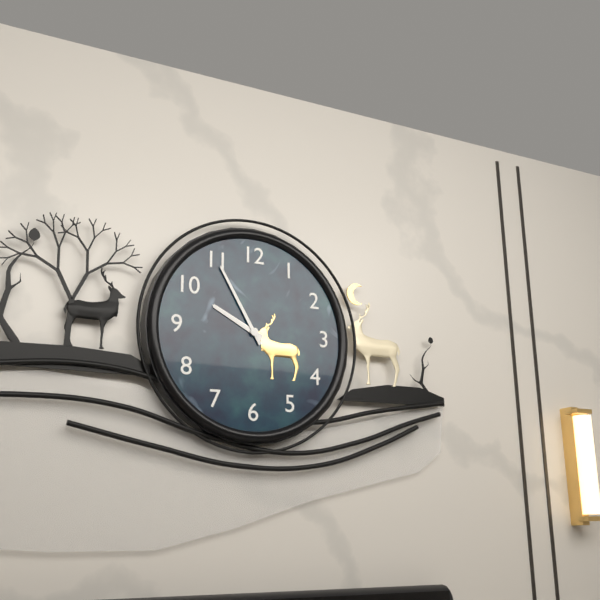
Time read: 9:55
